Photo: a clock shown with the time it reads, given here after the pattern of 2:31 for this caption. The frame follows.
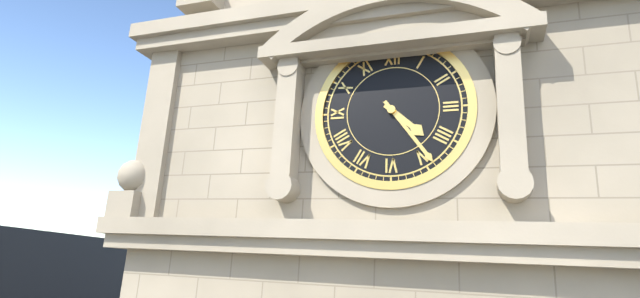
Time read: 4:24
